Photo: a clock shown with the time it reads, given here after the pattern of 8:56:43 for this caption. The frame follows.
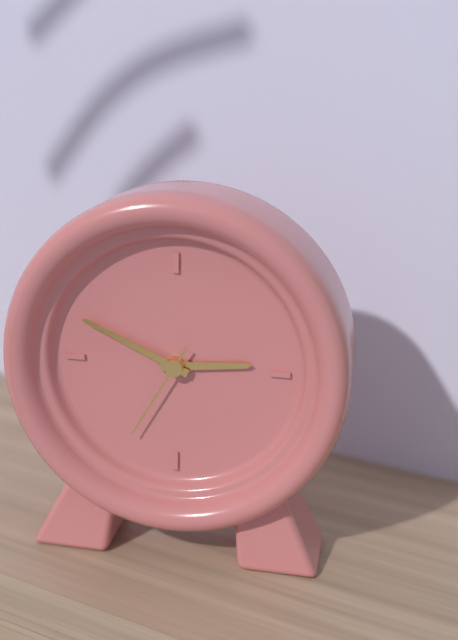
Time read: 2:49:35
